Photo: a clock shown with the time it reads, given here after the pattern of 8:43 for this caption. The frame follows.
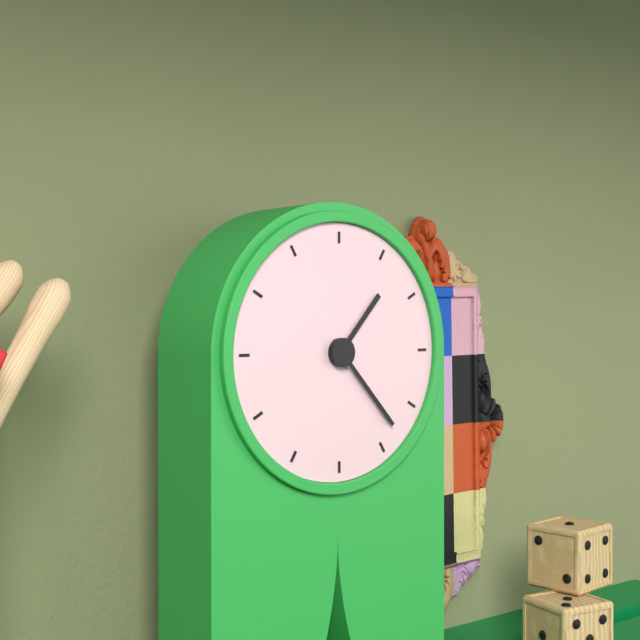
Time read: 1:23
